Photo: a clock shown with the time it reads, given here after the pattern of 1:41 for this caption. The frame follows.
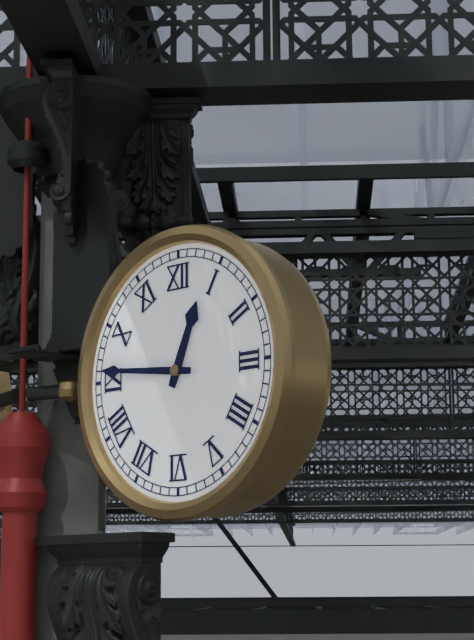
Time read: 12:46
